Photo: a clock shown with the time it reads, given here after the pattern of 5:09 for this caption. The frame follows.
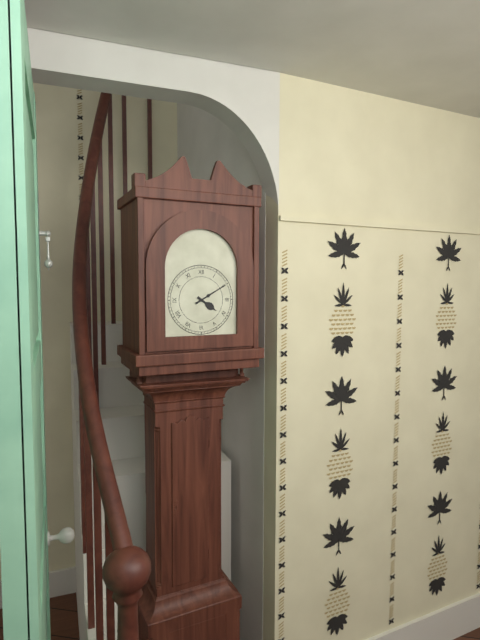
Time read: 4:10
